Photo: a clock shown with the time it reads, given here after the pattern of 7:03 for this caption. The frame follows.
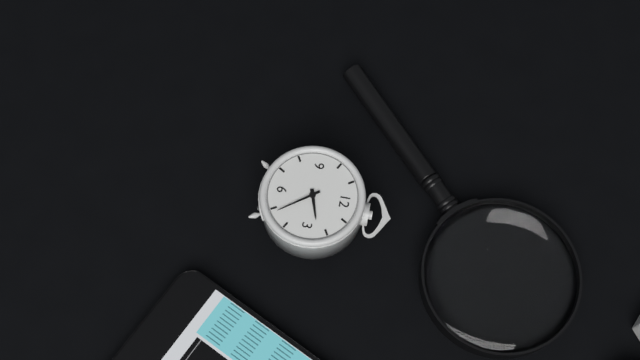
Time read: 2:24
